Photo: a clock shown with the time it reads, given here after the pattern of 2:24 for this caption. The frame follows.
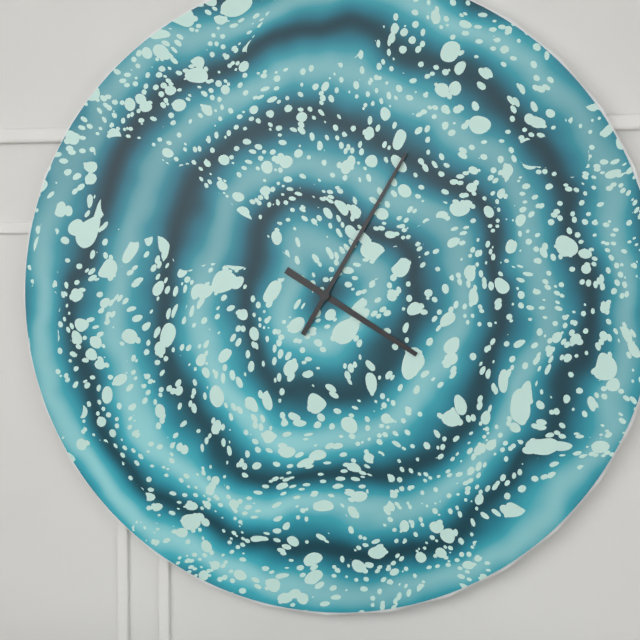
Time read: 4:05
